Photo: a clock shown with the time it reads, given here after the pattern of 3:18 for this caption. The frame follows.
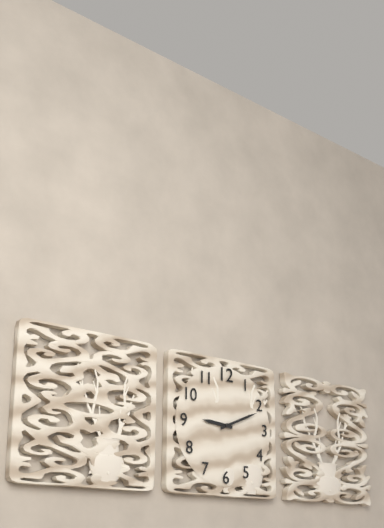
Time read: 9:11
